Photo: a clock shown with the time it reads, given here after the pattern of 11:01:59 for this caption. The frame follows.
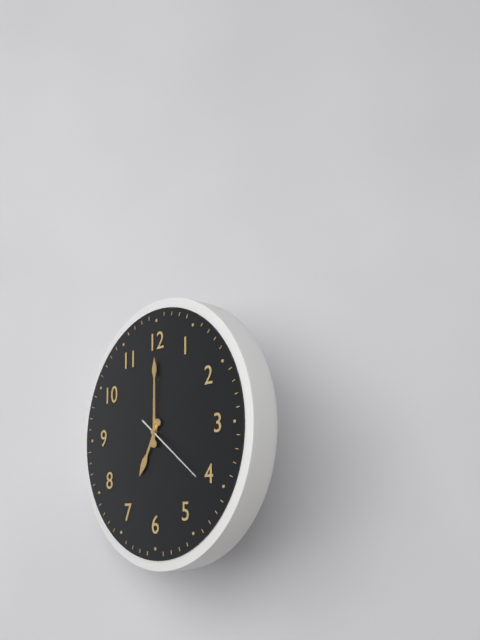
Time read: 7:00:21
